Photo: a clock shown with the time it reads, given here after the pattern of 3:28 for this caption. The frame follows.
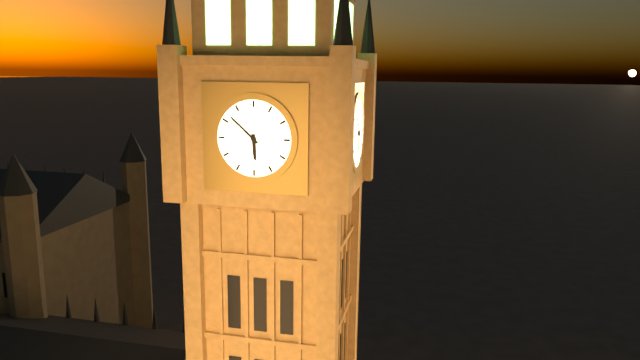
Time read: 5:52
